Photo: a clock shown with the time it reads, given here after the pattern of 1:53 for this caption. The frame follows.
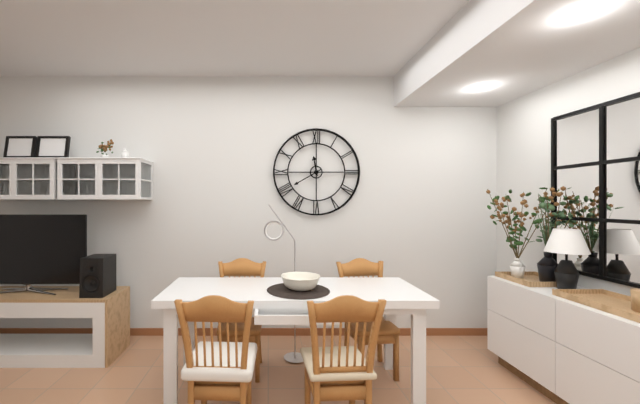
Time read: 11:40
